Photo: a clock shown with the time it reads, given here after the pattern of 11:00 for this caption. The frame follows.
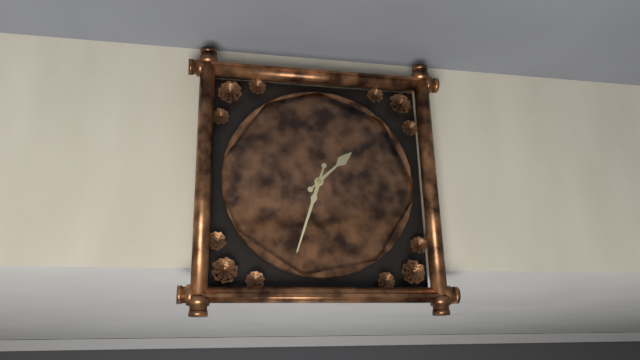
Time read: 1:33
